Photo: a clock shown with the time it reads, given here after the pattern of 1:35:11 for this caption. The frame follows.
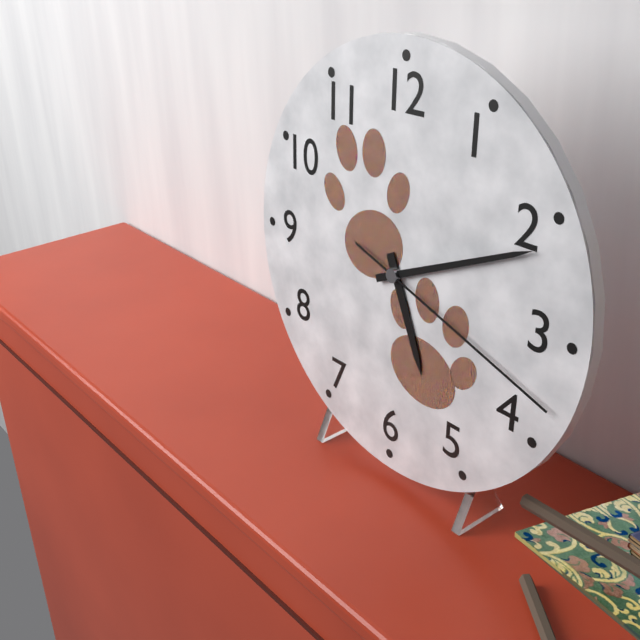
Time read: 5:11:18
